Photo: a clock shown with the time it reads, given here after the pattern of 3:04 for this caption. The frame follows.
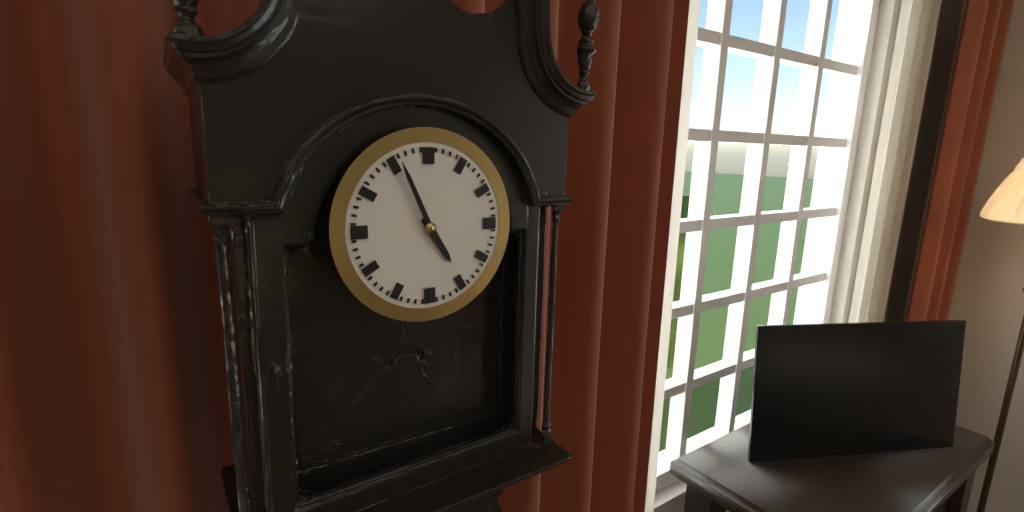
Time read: 4:56
